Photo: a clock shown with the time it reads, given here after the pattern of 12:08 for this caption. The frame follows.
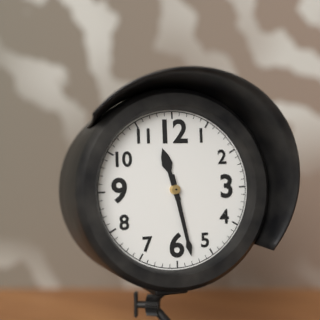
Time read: 11:28
